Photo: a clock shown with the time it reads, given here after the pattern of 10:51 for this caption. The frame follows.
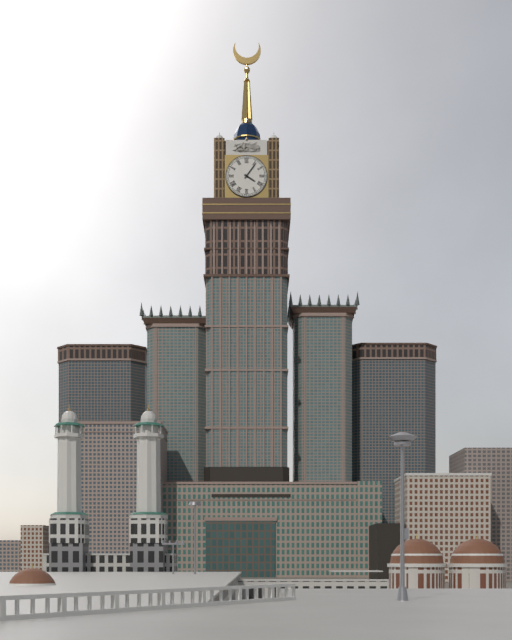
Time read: 4:06
